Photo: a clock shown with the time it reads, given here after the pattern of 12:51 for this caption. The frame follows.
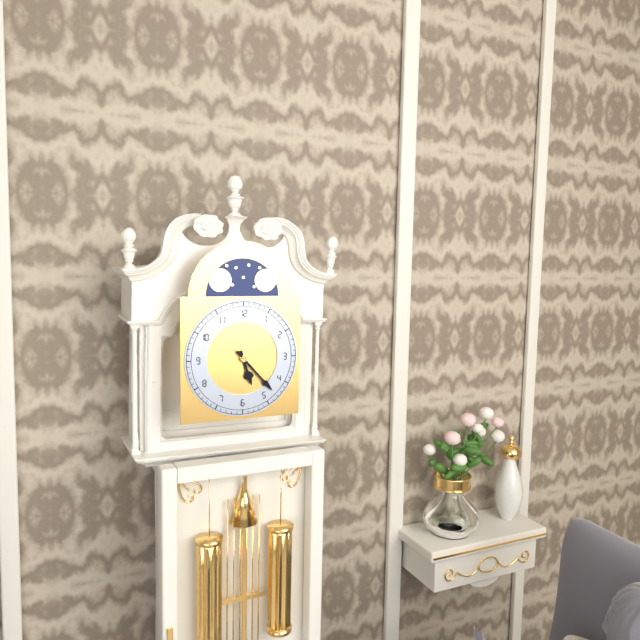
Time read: 5:23
